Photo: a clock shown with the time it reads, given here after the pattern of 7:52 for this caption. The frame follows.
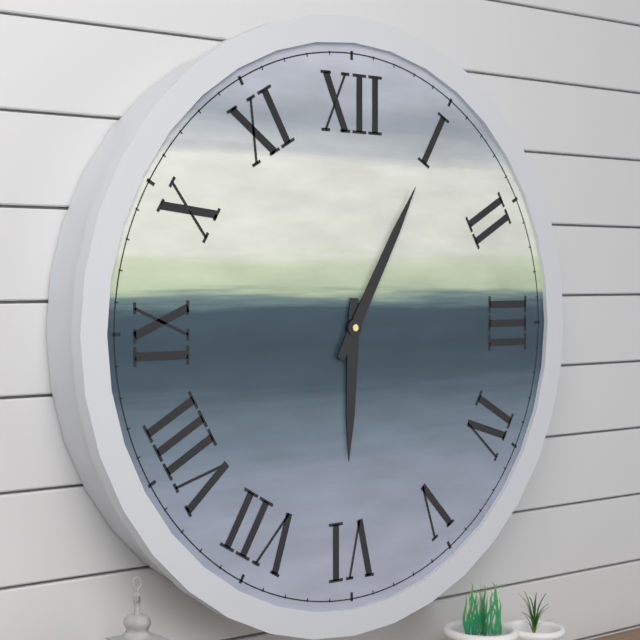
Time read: 6:05
